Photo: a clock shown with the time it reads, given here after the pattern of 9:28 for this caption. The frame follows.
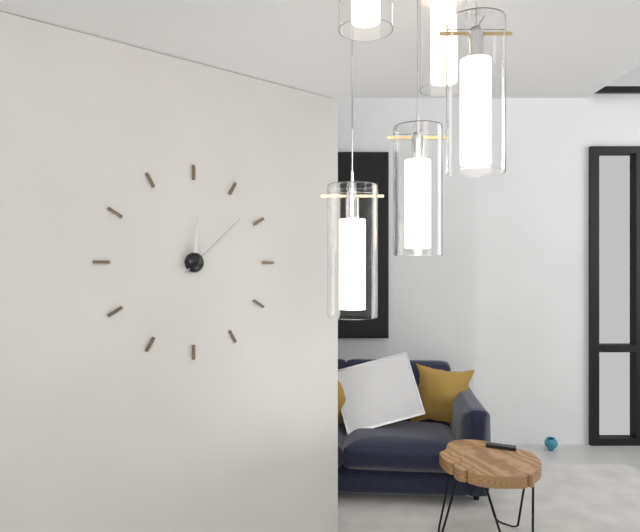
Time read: 12:08
